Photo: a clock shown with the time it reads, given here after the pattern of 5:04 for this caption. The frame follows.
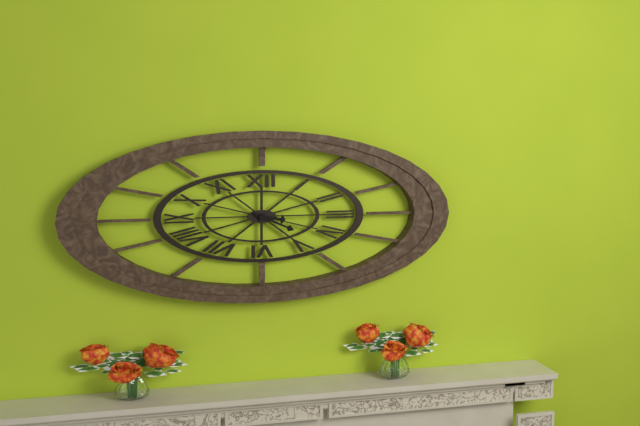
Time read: 3:19
